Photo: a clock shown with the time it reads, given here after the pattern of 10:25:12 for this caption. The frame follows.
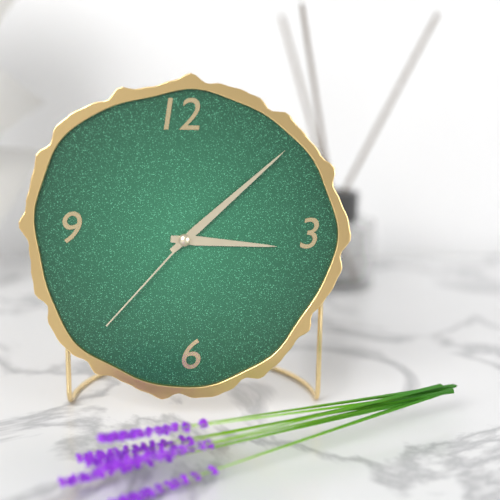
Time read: 3:08:37
